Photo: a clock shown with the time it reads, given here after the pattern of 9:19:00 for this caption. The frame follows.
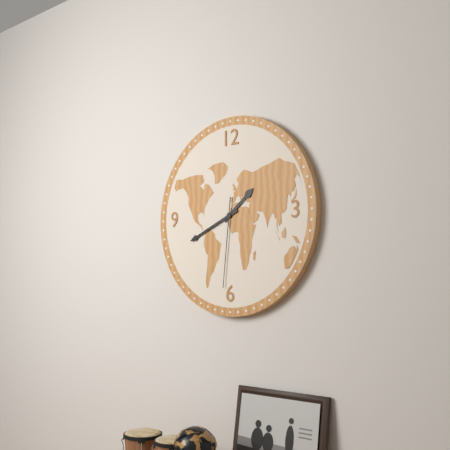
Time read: 1:41:31
